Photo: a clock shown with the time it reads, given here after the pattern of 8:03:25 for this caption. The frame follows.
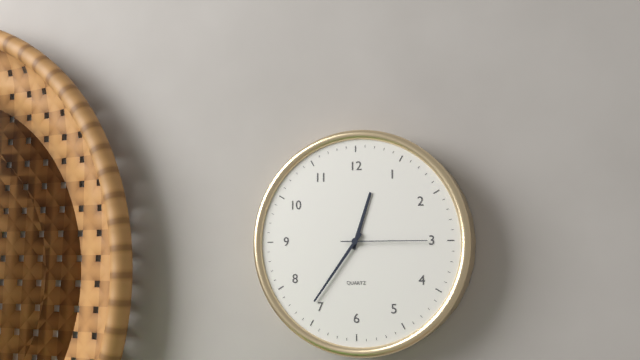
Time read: 12:36:15
